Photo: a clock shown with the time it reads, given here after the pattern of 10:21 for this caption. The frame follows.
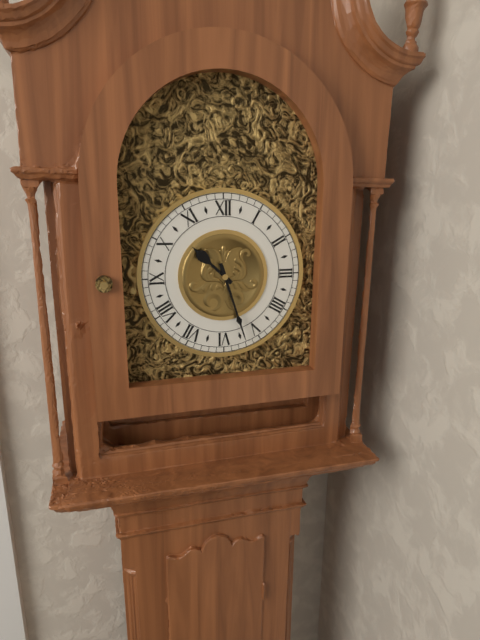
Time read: 10:27
